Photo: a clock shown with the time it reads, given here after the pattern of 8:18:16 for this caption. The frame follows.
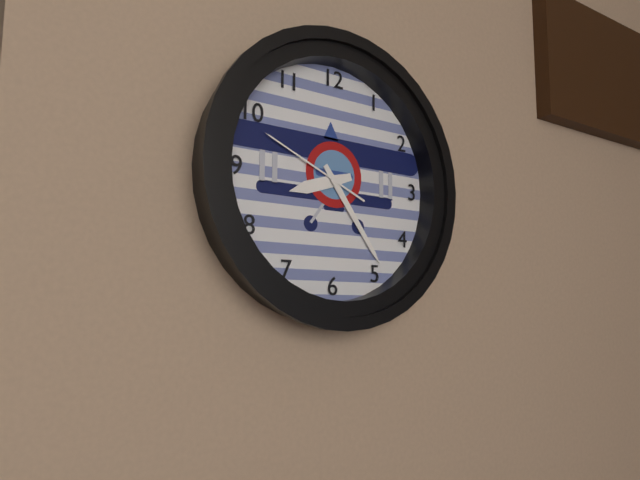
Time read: 8:24:49
